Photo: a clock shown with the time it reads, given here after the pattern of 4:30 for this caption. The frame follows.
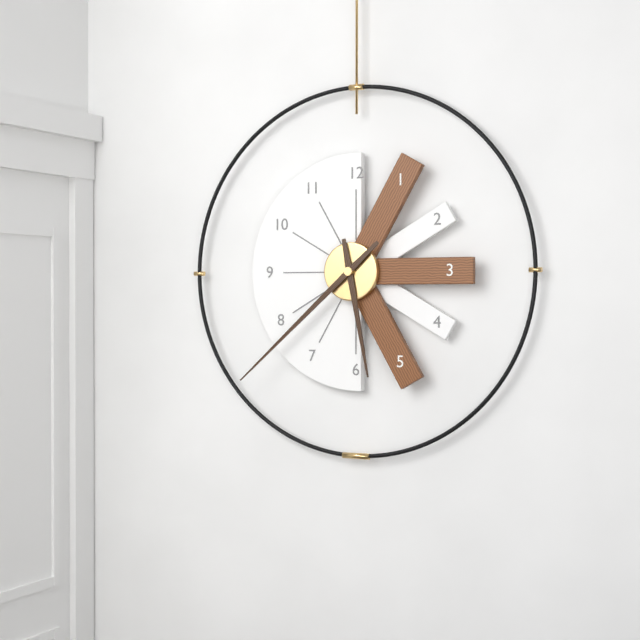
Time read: 5:38
